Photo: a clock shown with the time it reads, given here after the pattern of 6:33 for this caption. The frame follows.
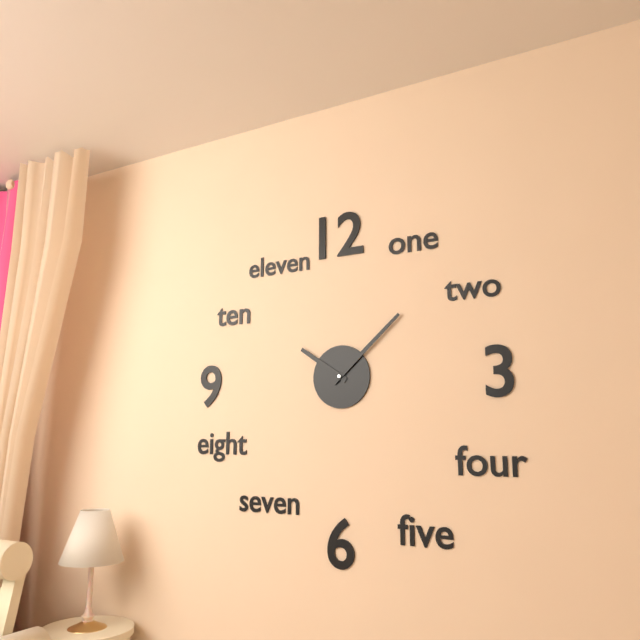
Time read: 10:08
